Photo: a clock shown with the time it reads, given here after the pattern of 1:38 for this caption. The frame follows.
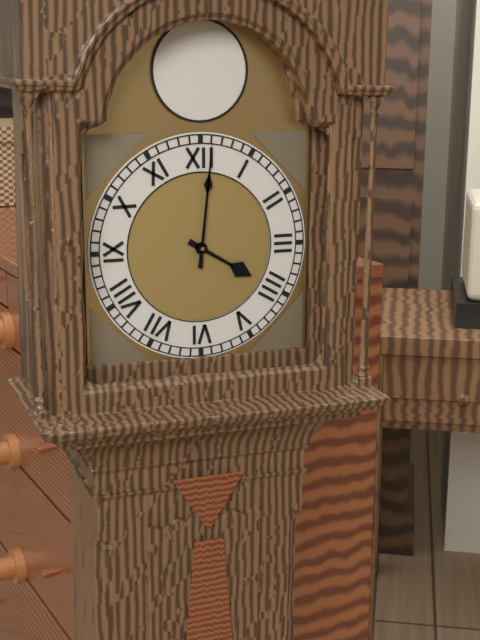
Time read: 4:01
